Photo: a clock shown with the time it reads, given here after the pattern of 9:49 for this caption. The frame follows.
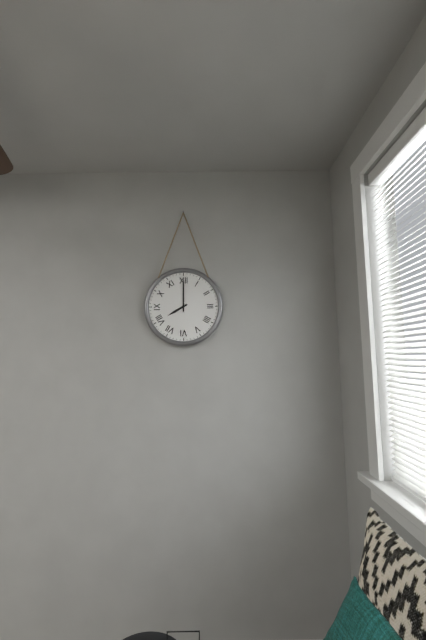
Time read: 8:00
